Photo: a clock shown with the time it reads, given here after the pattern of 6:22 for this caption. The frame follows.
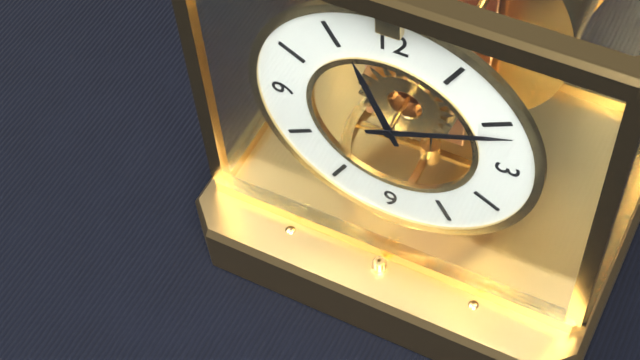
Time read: 11:11
